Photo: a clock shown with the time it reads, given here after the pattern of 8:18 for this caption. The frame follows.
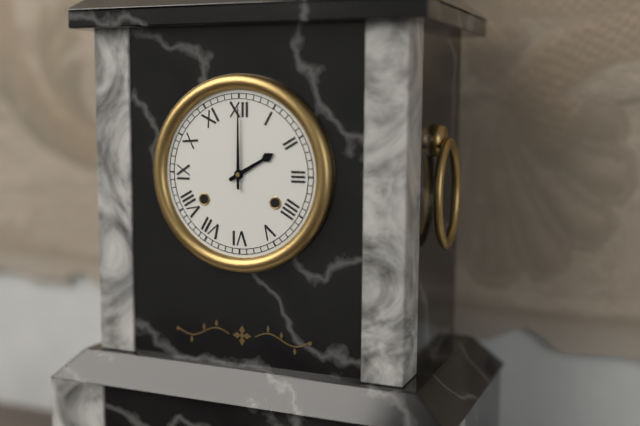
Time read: 2:00
